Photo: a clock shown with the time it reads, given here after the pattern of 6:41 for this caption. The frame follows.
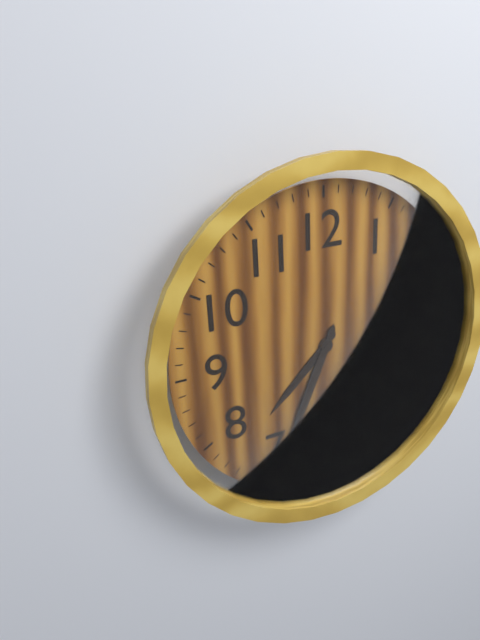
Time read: 7:34
